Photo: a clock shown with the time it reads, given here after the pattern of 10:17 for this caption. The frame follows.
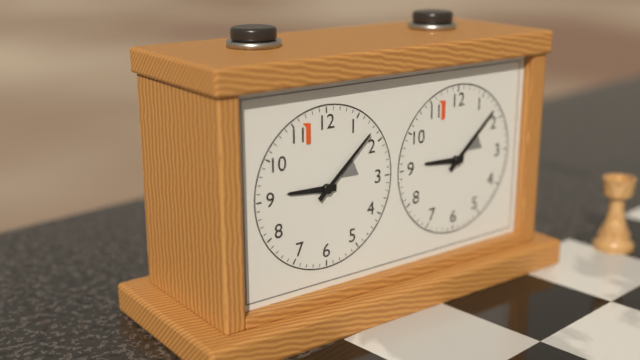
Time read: 9:08
